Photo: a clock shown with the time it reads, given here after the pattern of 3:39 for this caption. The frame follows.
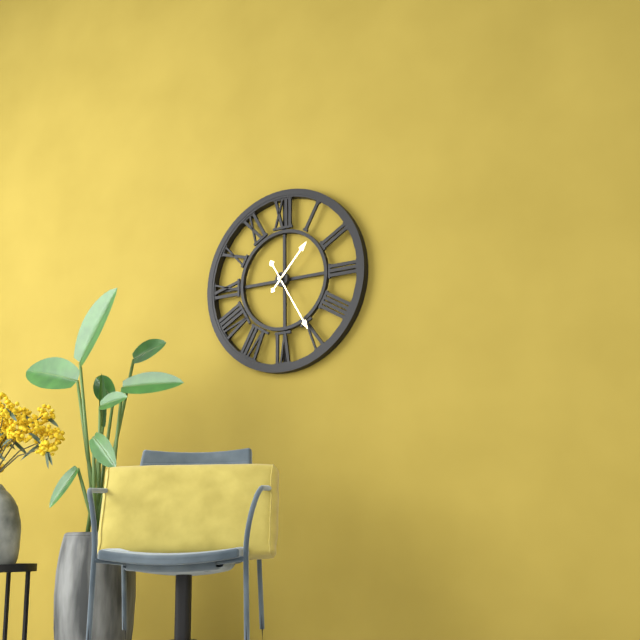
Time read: 1:25
